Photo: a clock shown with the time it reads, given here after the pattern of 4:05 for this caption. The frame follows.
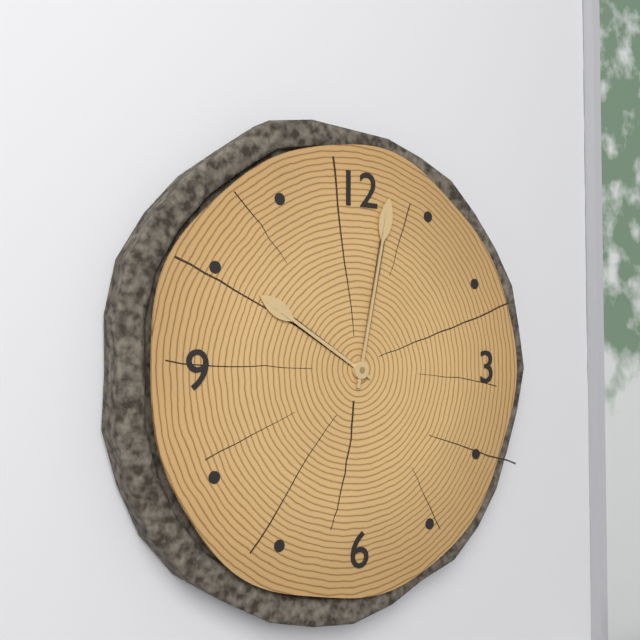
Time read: 10:02
